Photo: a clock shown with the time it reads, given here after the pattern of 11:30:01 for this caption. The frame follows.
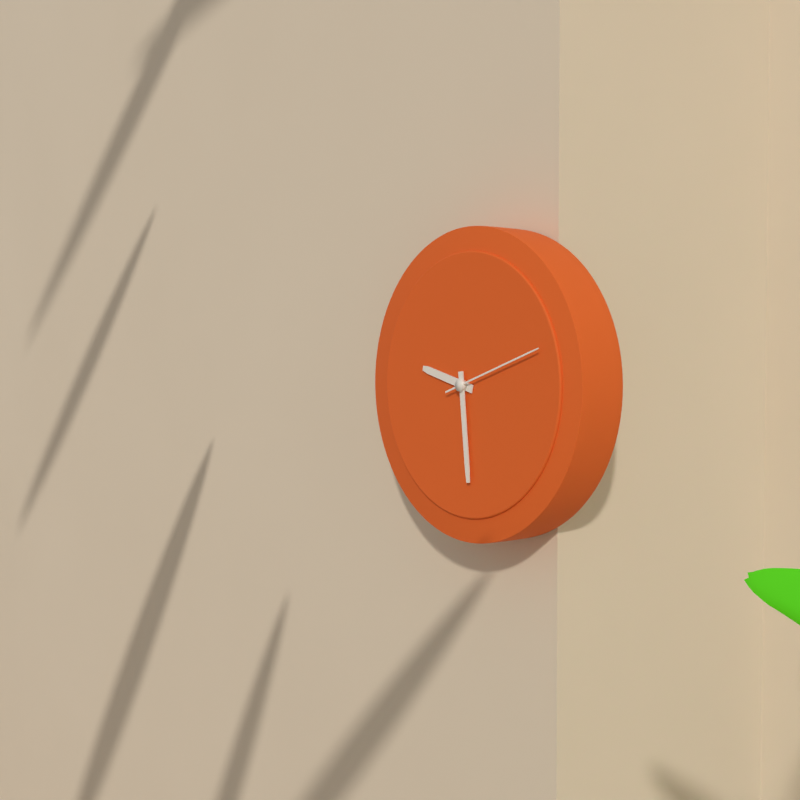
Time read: 9:29:12
